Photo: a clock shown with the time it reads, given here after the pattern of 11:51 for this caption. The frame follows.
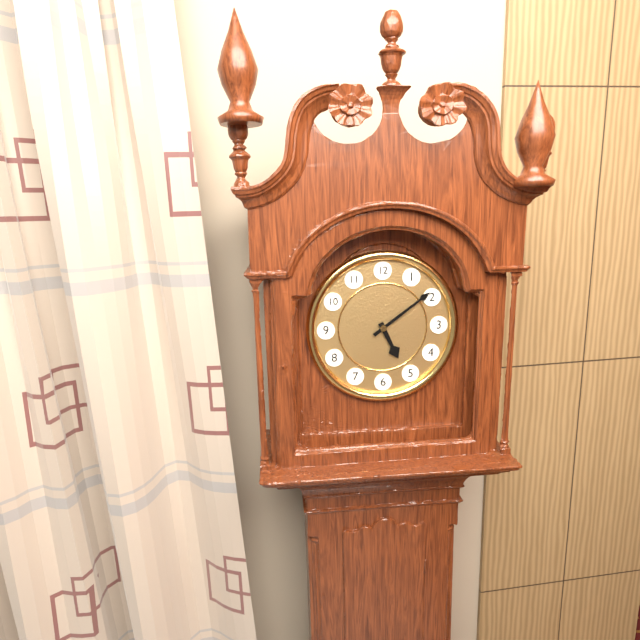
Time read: 5:09
